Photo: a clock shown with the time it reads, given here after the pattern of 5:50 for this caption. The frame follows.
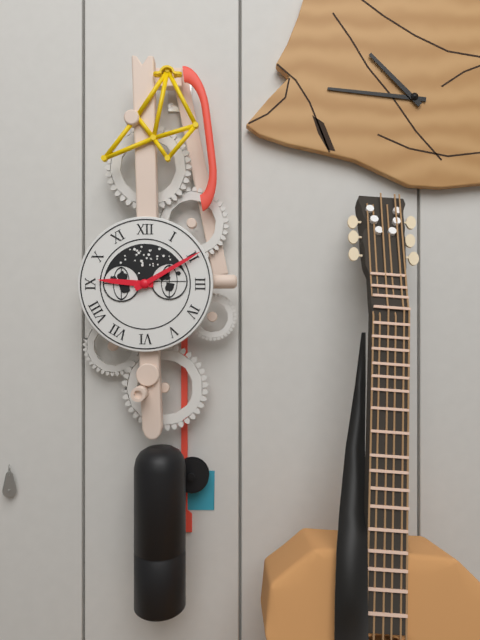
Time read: 9:10
